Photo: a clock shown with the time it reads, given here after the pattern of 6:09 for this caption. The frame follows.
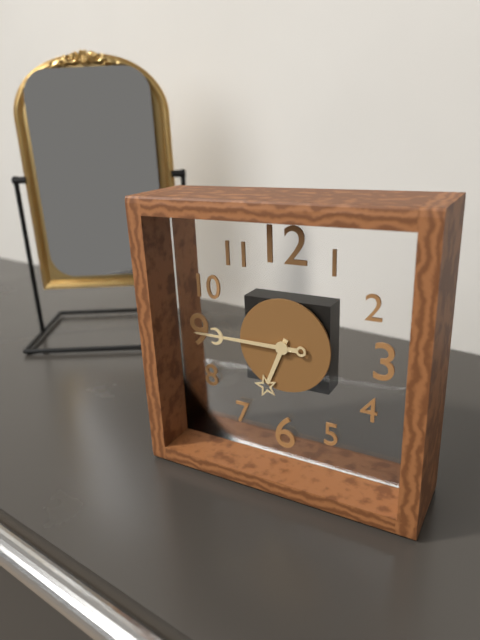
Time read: 6:45
